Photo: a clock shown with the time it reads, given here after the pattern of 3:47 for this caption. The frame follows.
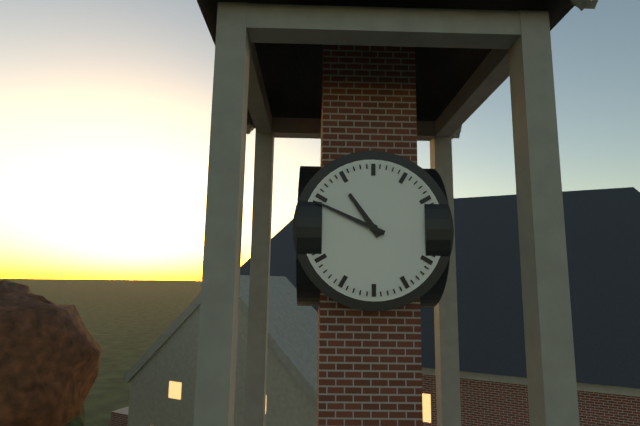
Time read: 10:49
